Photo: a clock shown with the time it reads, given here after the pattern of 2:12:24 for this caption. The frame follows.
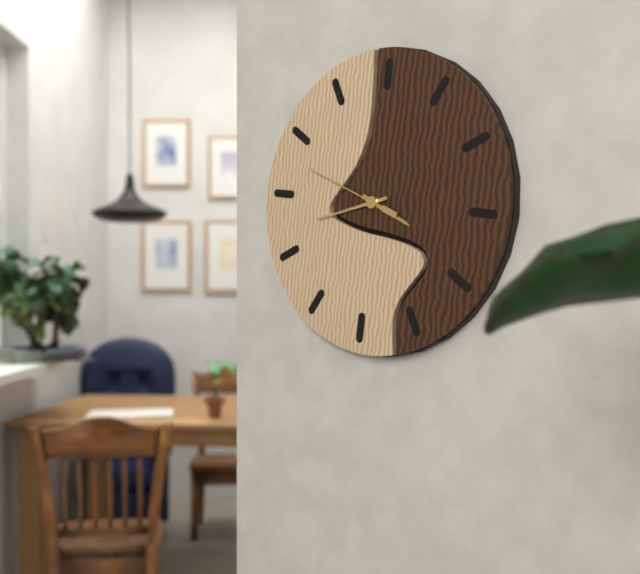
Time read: 3:42:48
